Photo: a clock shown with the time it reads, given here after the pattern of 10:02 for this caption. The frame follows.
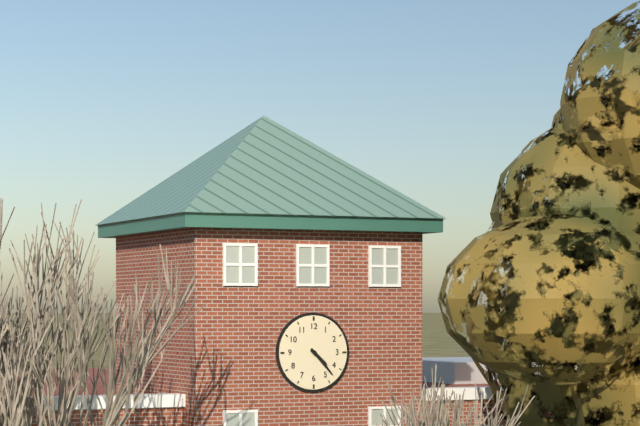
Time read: 4:23
